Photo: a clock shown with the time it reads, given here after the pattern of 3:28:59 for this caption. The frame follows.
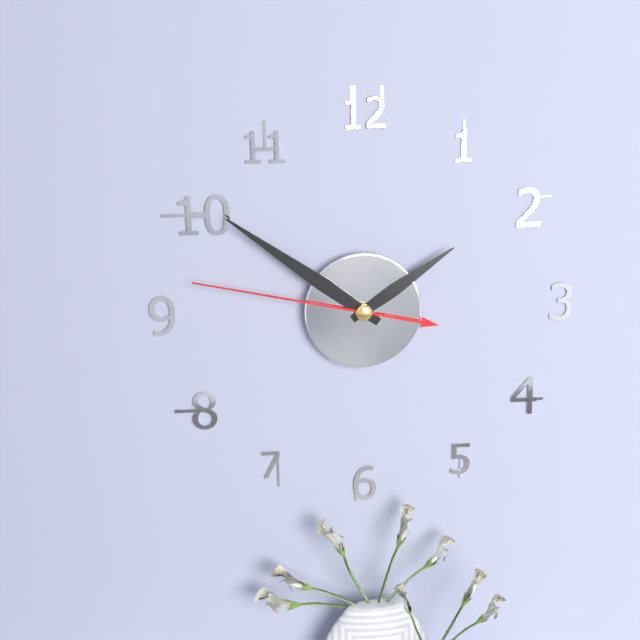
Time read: 1:51:47
